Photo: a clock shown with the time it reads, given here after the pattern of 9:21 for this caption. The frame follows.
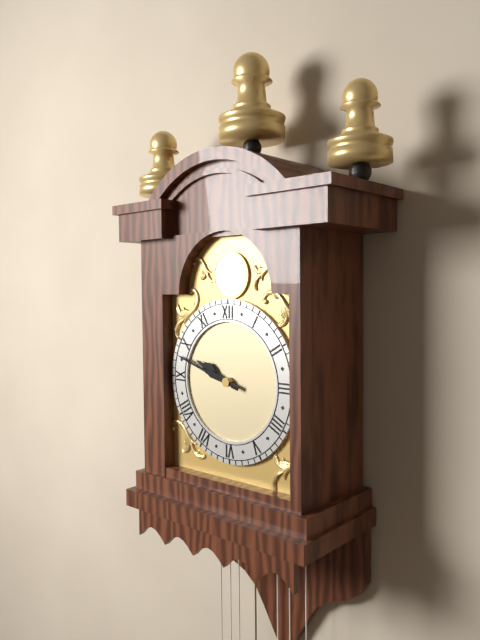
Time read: 9:48
